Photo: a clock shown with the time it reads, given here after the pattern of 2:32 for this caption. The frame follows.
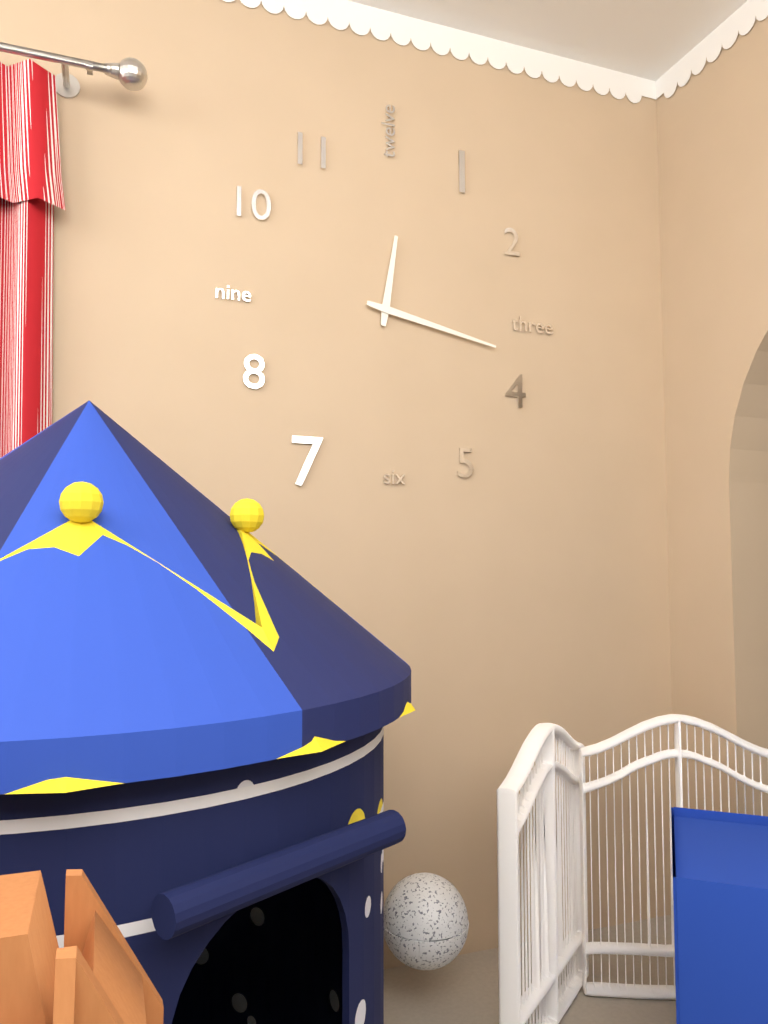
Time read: 12:17
